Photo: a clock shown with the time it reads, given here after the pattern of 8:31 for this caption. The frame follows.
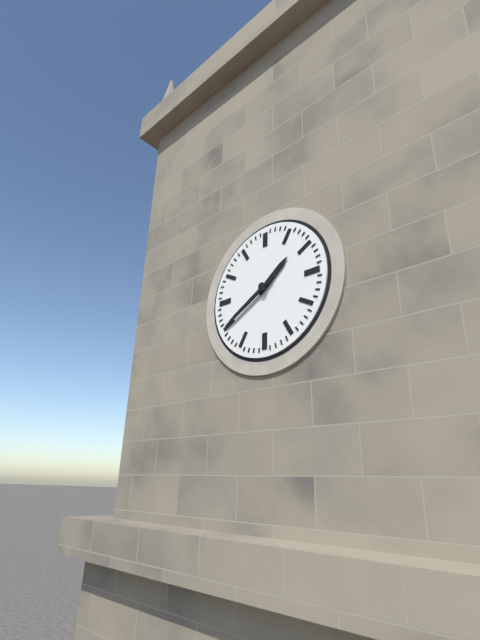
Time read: 1:40
